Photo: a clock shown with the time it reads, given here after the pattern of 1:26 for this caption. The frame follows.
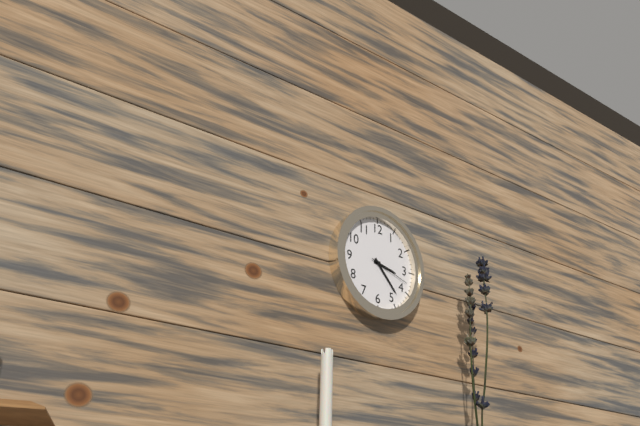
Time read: 3:23
